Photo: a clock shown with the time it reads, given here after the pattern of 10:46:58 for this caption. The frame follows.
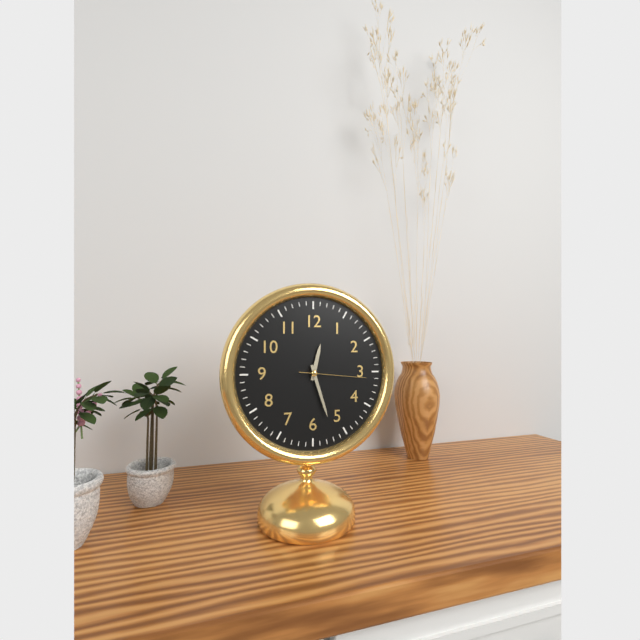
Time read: 12:27:16
